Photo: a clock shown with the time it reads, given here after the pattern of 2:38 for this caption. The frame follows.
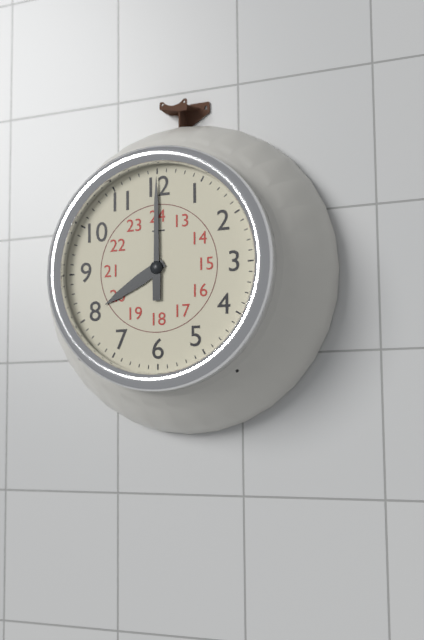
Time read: 8:00
